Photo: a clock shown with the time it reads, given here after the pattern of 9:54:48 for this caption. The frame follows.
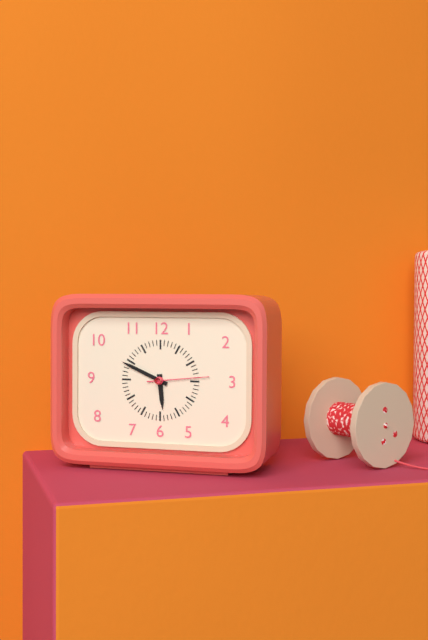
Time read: 5:49:14
